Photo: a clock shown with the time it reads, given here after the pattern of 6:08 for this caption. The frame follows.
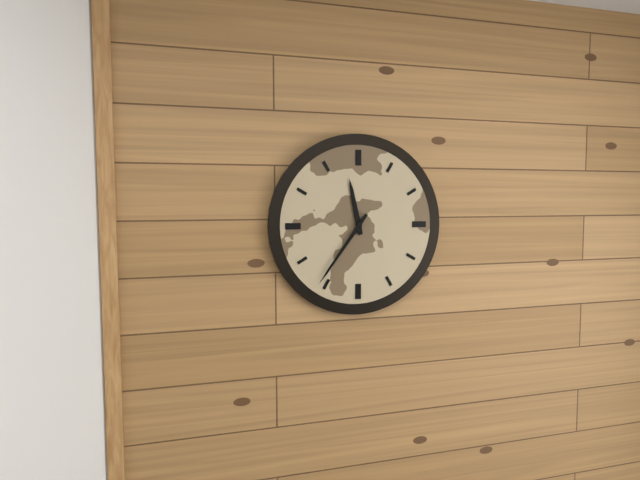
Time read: 11:36
